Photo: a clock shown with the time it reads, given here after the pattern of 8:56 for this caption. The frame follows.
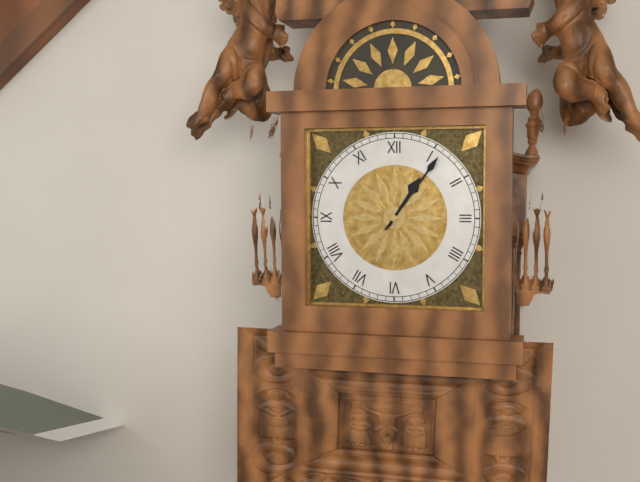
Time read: 1:06
